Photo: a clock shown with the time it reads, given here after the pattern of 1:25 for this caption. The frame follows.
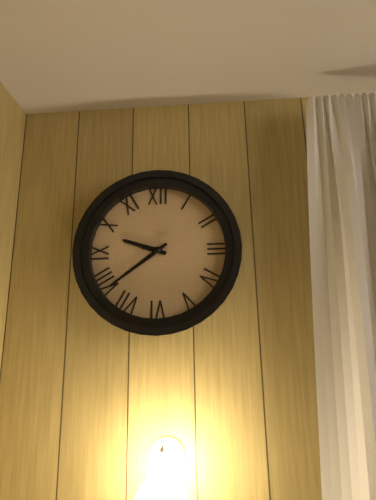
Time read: 9:39
